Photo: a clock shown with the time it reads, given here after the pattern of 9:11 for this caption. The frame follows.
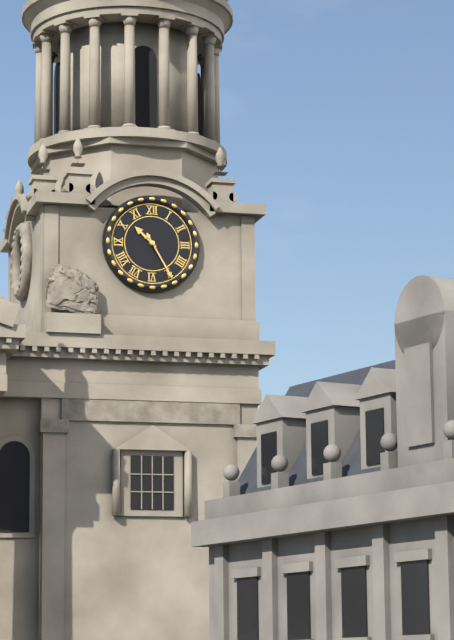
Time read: 10:25
